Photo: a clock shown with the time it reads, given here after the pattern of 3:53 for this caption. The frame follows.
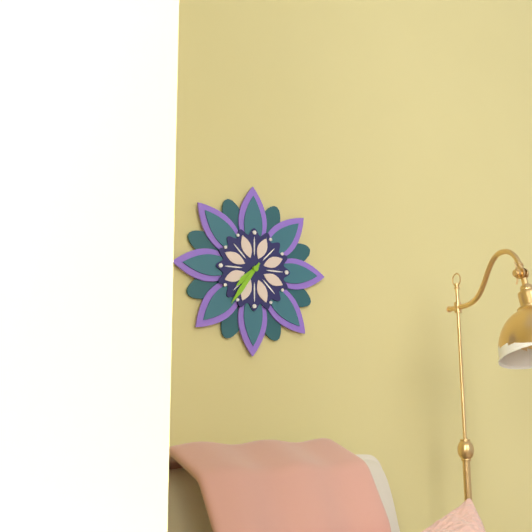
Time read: 7:36
